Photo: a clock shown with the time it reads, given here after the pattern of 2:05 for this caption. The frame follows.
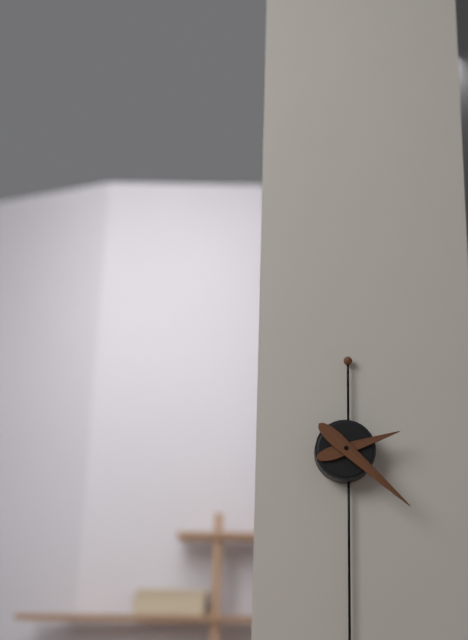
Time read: 2:22
